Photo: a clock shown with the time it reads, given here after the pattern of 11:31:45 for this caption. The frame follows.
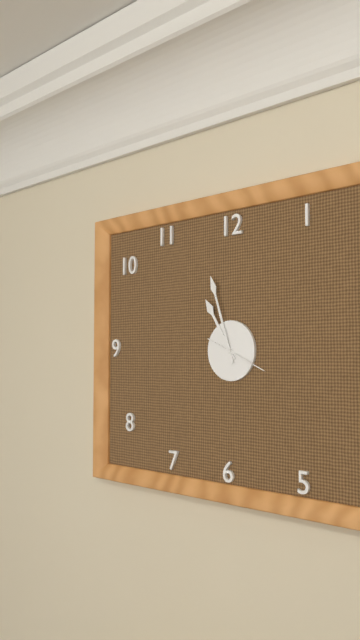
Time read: 10:57:19
